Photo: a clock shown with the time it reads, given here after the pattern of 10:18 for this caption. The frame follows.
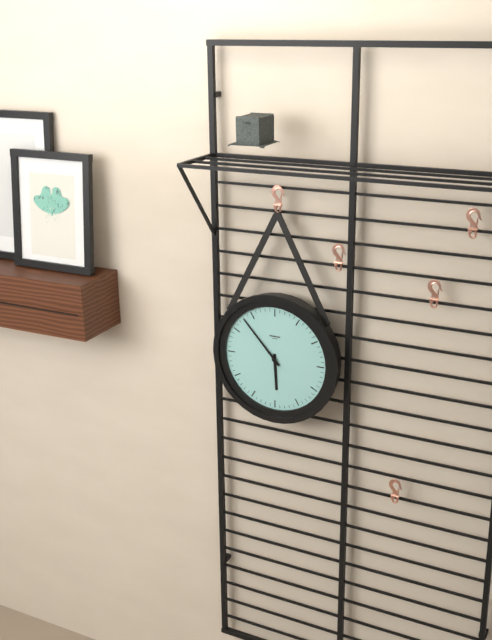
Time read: 5:53
